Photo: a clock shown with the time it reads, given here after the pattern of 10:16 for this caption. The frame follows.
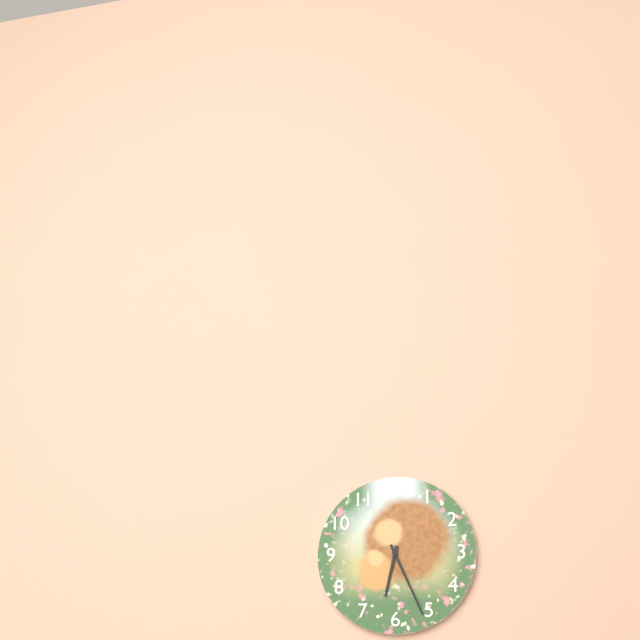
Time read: 6:26
